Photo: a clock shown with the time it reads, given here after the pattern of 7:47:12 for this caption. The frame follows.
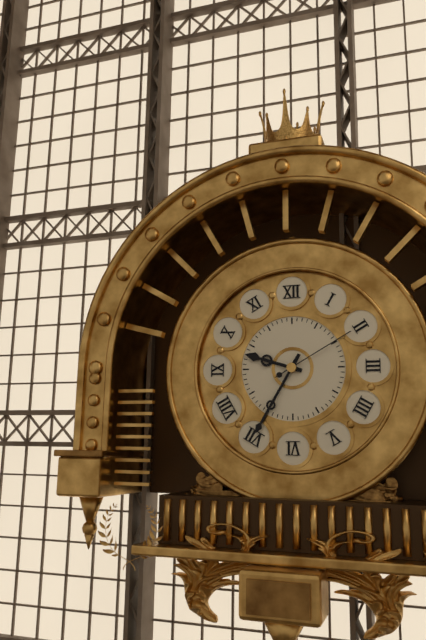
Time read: 9:35:10
